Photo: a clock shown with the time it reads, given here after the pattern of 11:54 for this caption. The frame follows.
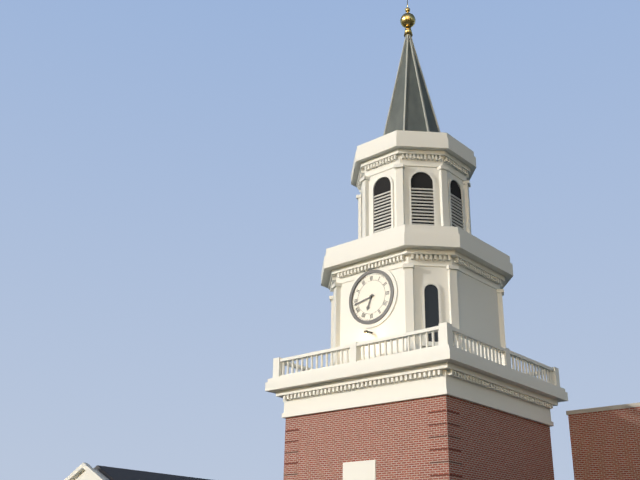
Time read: 6:43
